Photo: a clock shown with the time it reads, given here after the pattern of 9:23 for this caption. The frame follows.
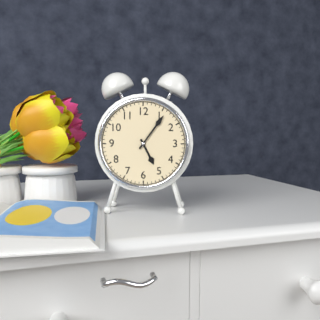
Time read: 5:06
